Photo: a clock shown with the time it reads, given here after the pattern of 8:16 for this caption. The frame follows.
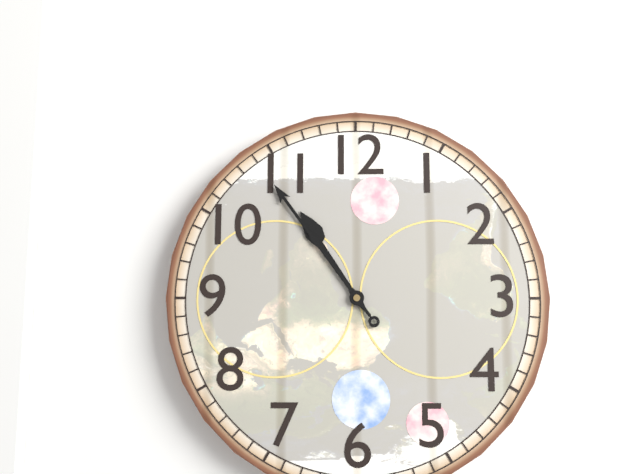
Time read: 10:54
